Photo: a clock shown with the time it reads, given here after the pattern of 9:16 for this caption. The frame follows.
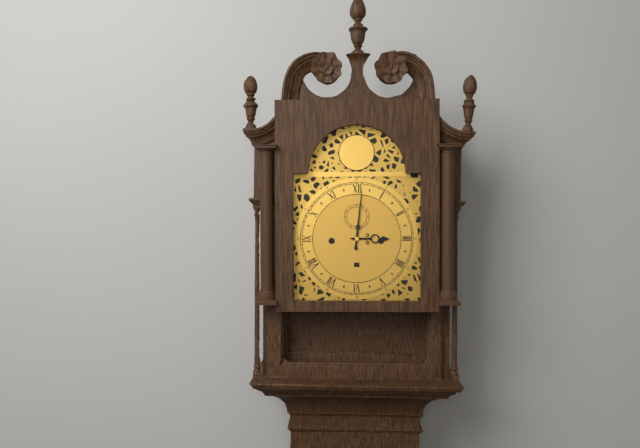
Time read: 3:01
